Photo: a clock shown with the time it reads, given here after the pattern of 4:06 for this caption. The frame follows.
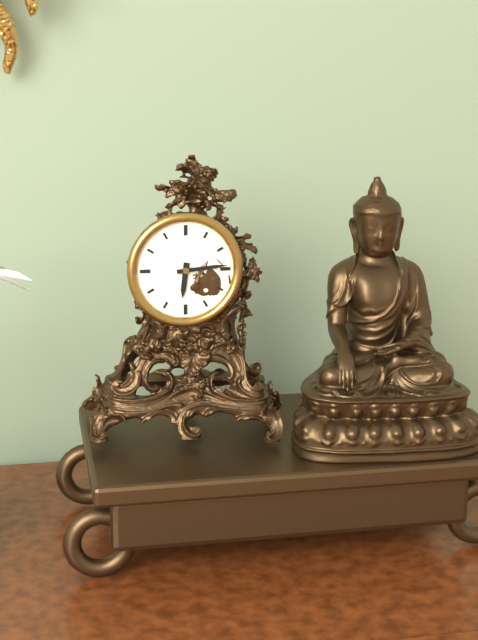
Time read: 6:14
